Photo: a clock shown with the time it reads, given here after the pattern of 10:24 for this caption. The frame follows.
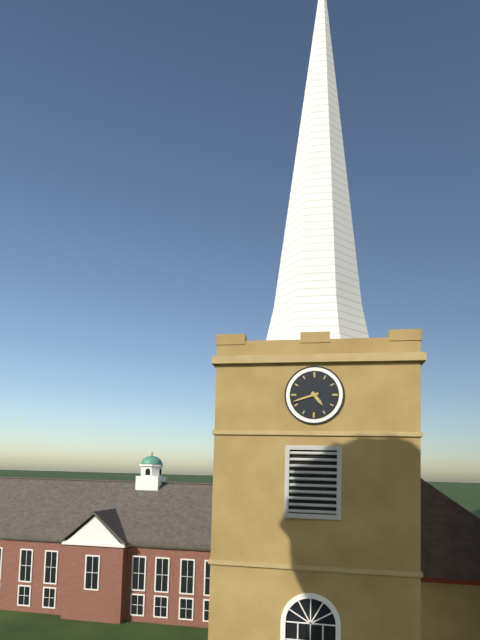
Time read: 4:42
